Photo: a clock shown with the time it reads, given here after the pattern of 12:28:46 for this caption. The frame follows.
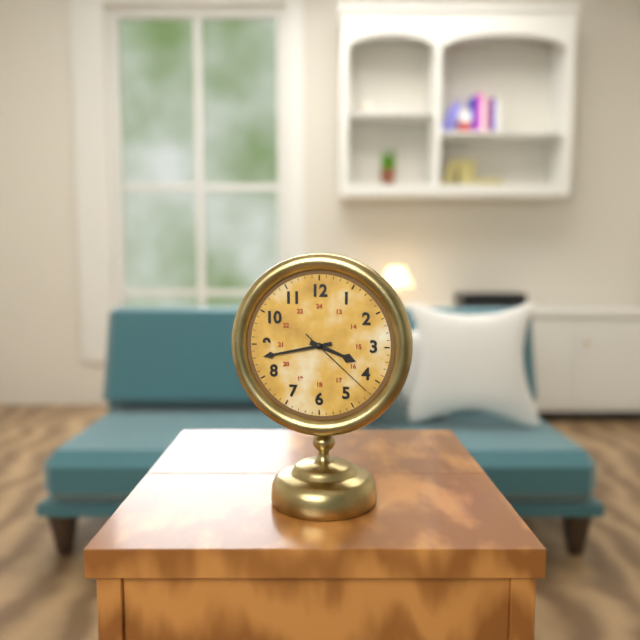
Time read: 3:43:22
